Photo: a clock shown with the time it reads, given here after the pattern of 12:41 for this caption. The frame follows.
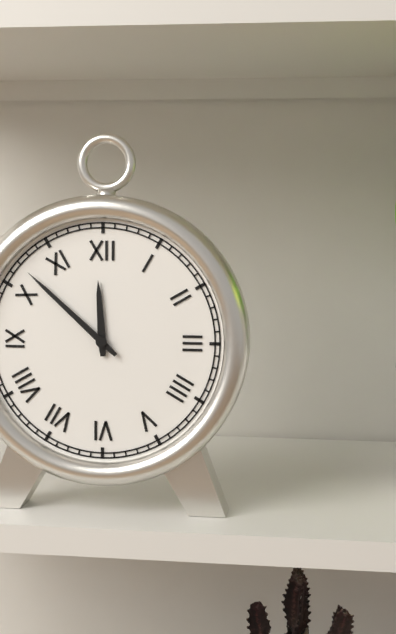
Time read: 11:52
